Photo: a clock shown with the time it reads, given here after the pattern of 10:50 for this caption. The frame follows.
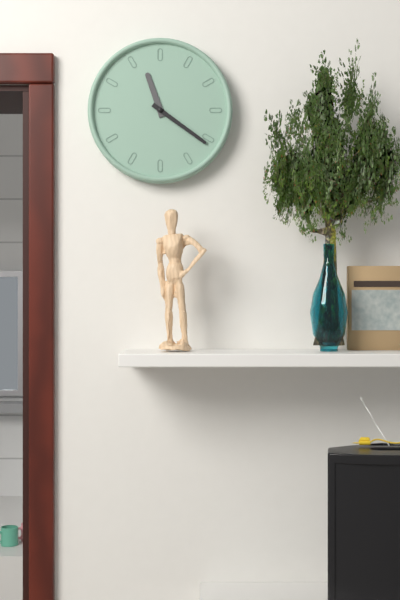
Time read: 11:21
